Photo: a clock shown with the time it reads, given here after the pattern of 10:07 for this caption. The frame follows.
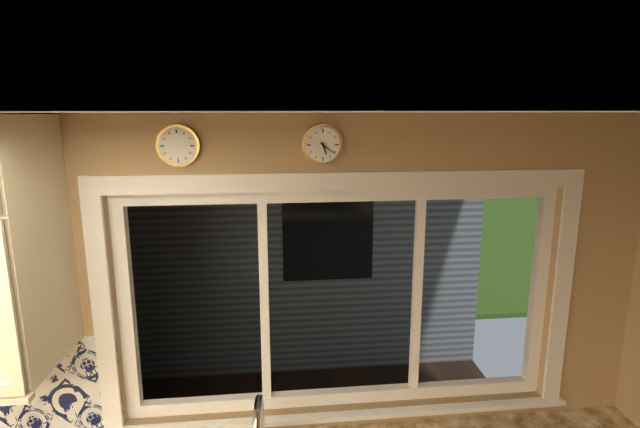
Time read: 5:21
